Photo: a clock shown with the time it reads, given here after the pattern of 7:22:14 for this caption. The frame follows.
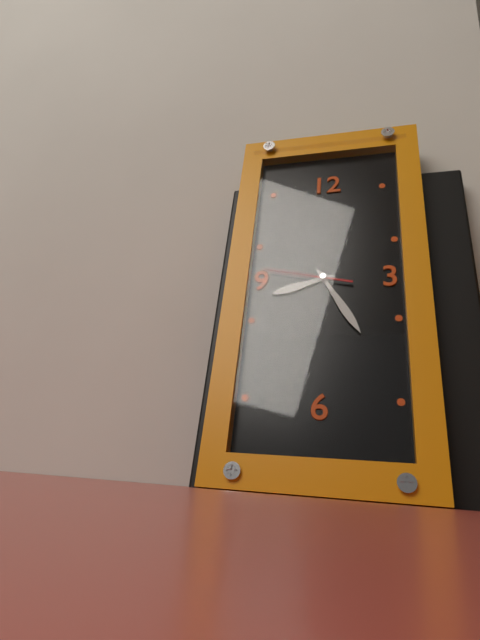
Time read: 8:25:47
